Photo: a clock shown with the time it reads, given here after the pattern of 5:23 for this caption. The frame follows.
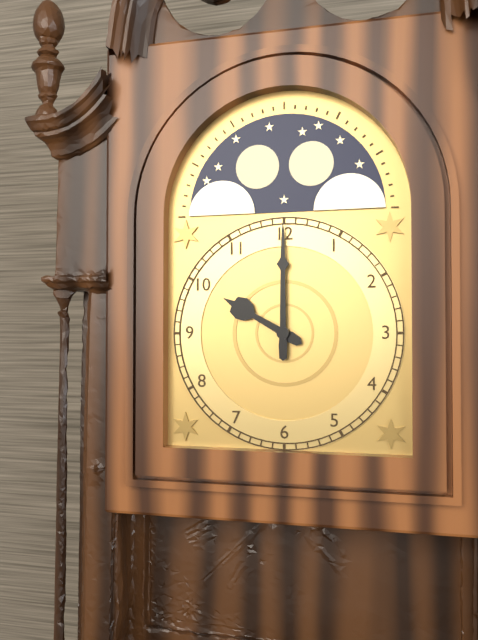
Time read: 10:00
